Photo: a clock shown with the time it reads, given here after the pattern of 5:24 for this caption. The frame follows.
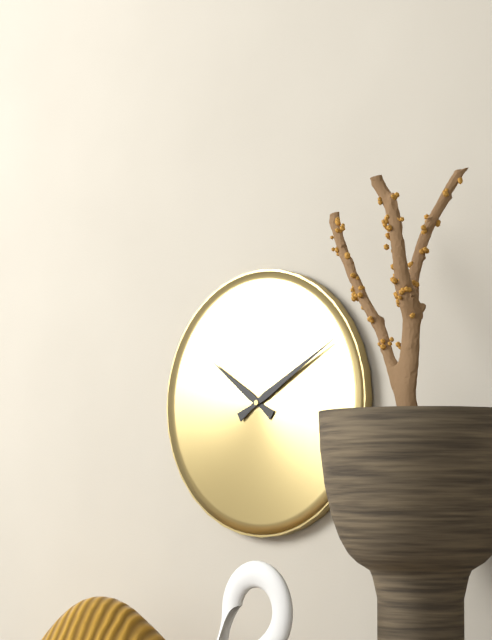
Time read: 10:10
